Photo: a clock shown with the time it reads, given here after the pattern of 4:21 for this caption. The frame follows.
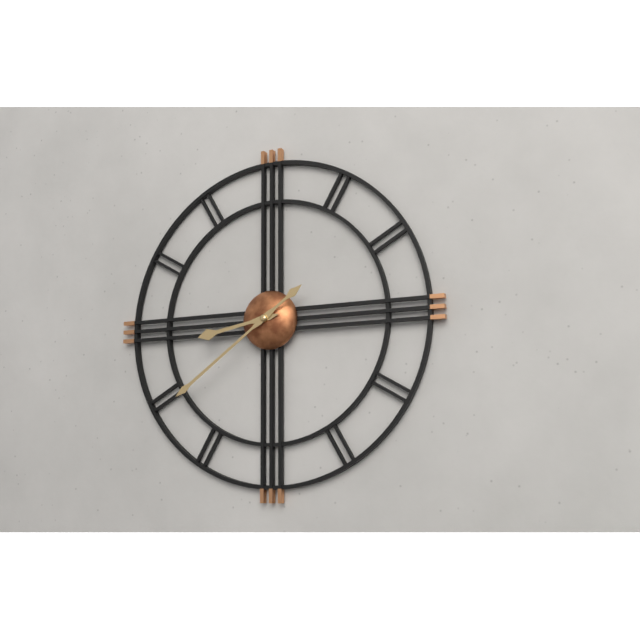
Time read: 8:39
